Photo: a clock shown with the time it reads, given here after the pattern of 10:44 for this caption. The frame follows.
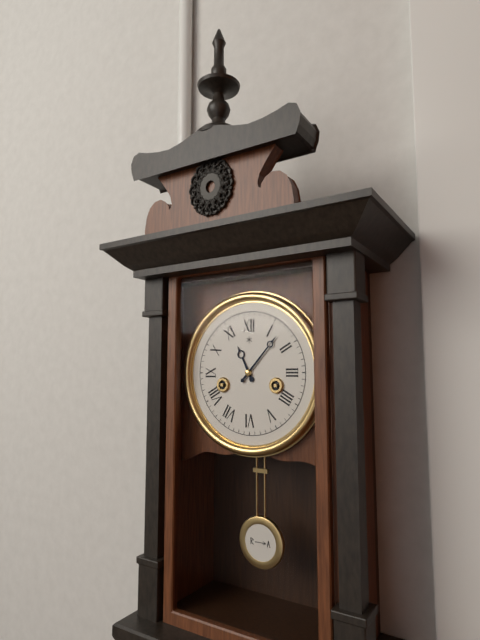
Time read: 11:07
